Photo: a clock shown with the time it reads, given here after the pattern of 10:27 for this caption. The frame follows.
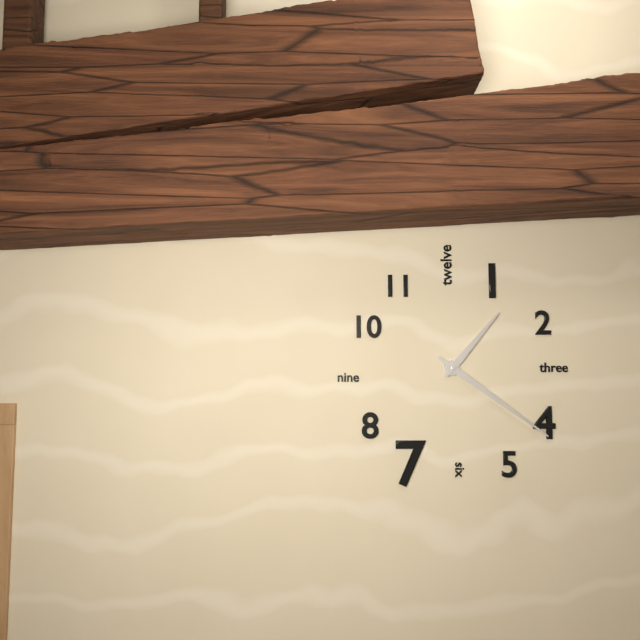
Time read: 1:21
